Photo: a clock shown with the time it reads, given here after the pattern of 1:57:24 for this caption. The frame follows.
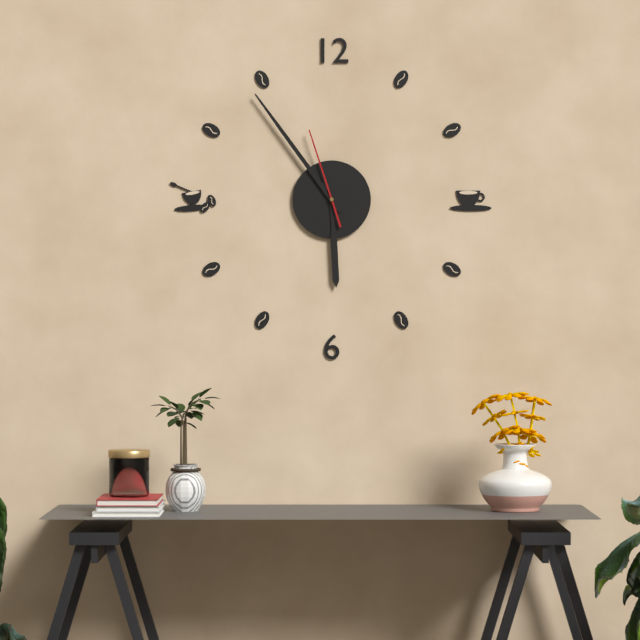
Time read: 5:54:57
